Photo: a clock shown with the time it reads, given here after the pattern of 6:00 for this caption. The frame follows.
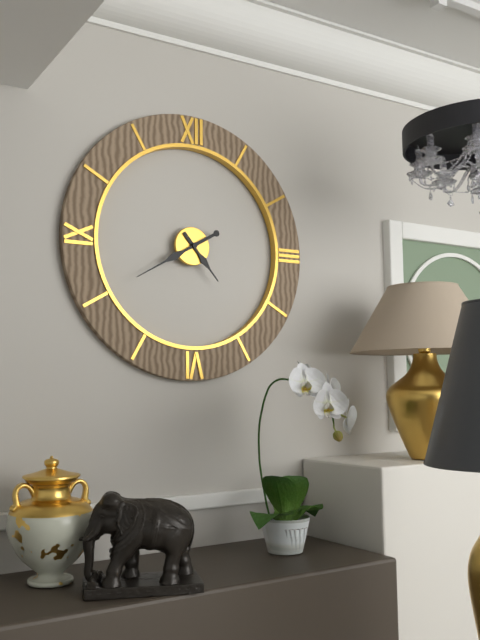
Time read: 4:40
